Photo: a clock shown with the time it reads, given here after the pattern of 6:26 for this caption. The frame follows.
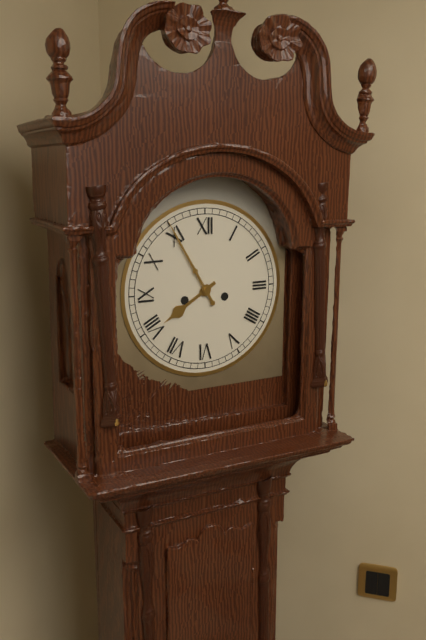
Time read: 7:55
